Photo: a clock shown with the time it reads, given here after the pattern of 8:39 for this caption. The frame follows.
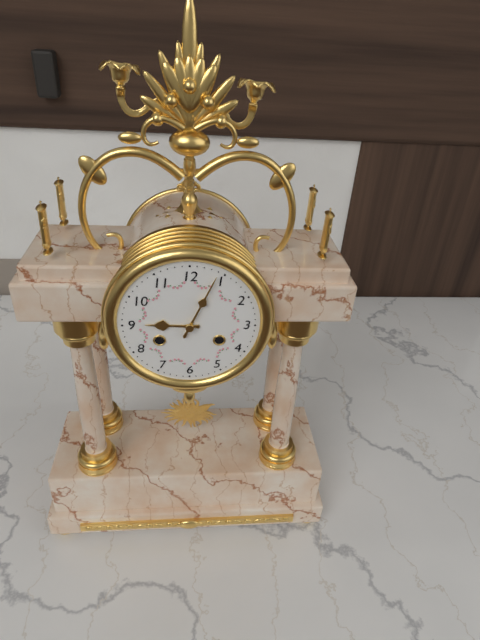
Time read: 9:04
